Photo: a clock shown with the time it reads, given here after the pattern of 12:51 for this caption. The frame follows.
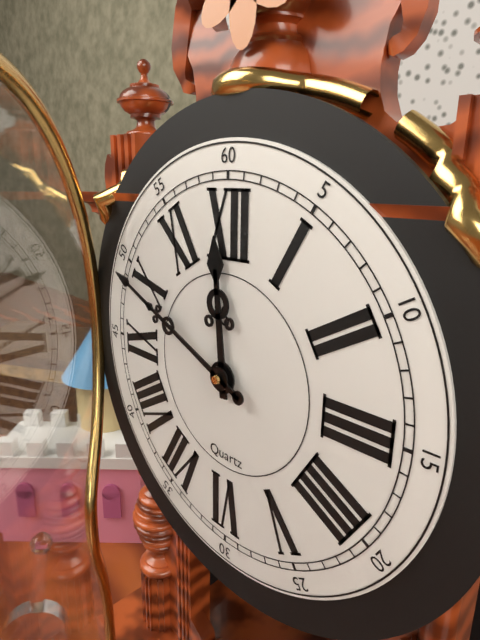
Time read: 11:49
